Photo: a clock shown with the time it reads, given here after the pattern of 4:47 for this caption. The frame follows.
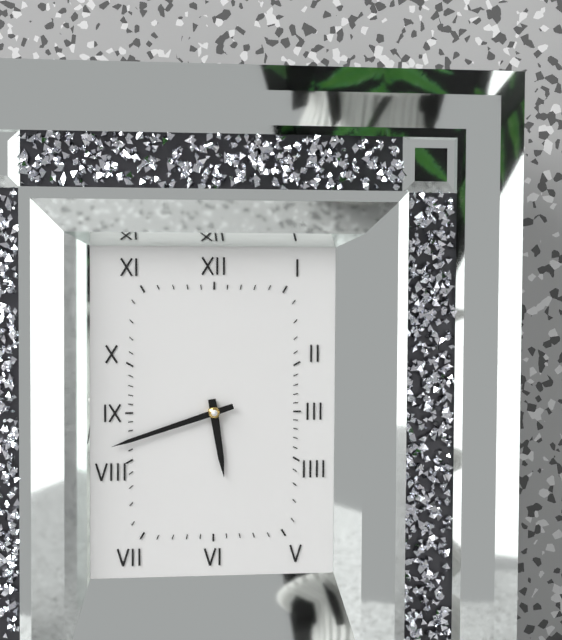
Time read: 5:42
